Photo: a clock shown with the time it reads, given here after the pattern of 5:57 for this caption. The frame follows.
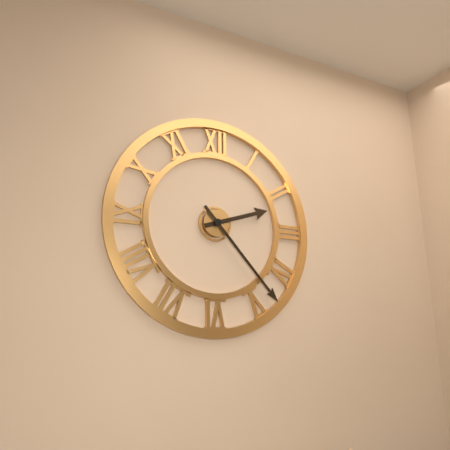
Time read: 2:23
